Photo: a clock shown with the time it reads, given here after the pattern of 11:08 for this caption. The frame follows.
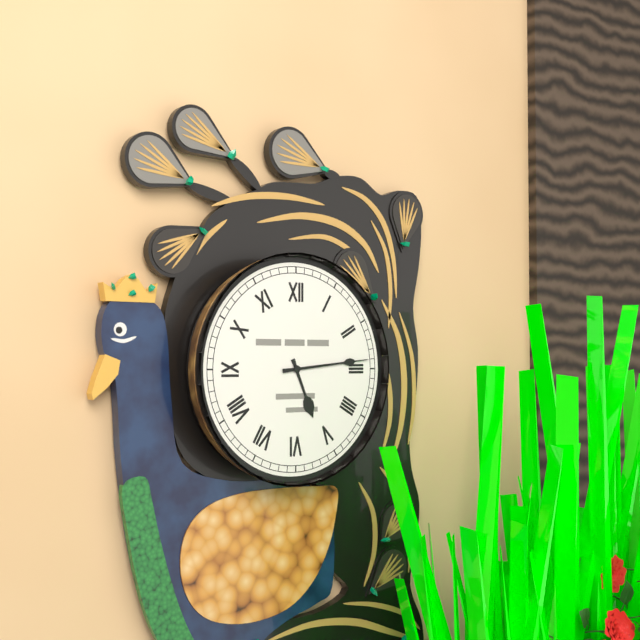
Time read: 5:14
